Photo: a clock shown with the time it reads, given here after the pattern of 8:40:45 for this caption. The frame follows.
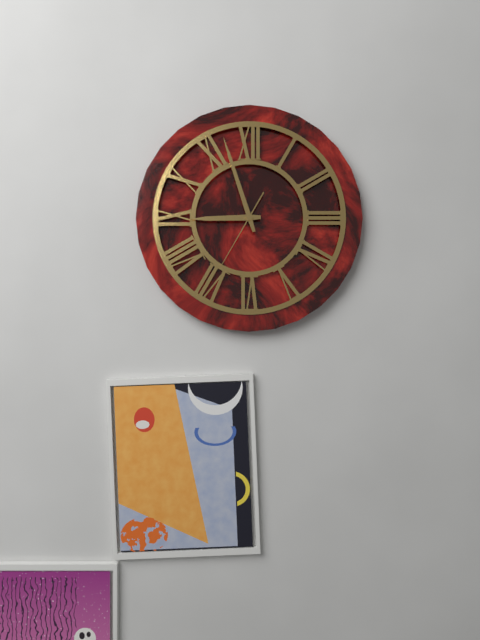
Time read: 8:57:35
